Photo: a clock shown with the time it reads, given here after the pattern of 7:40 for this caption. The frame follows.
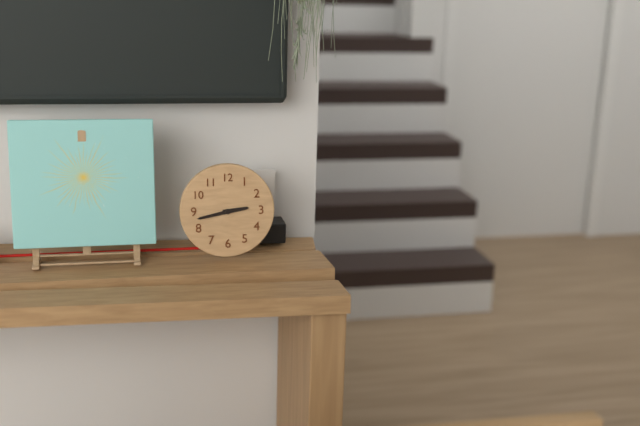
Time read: 2:43
